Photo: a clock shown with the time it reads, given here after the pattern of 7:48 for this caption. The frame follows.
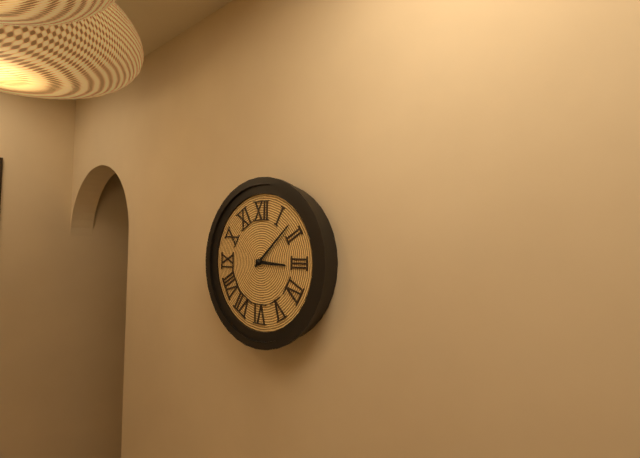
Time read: 3:08
